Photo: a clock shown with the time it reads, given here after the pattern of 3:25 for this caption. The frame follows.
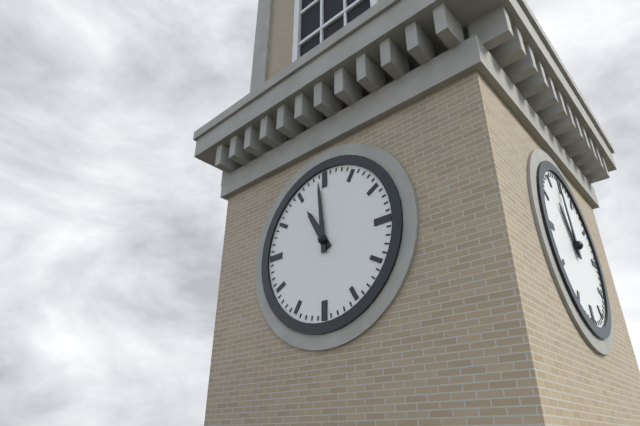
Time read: 10:59
